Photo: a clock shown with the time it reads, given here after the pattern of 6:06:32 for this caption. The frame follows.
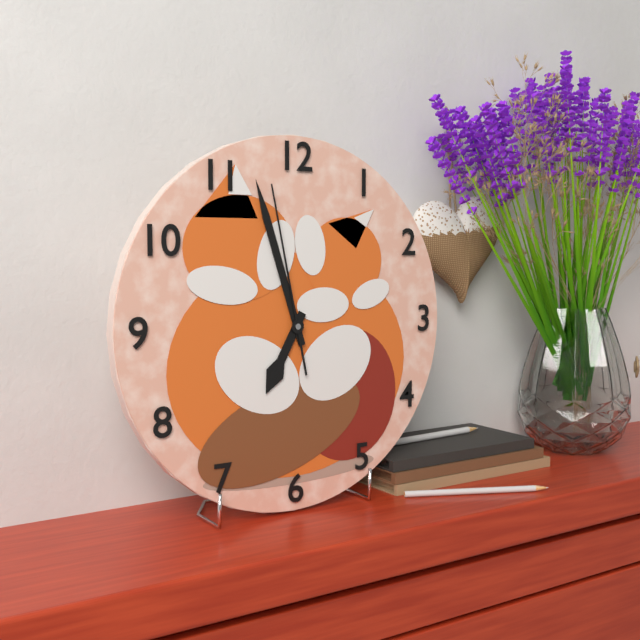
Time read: 6:57:58
